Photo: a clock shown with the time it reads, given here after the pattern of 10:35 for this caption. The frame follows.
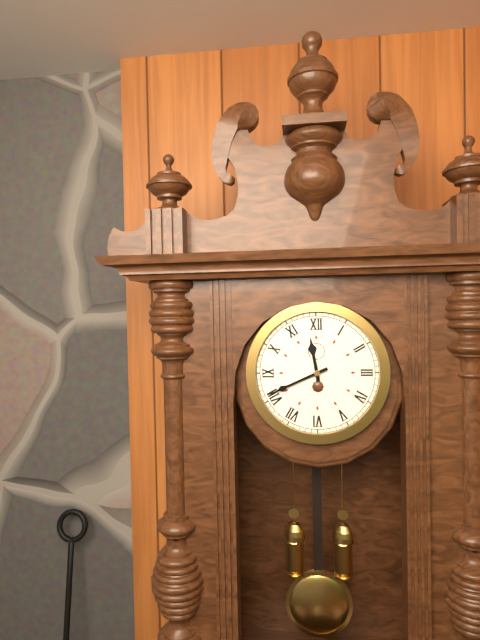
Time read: 11:41
